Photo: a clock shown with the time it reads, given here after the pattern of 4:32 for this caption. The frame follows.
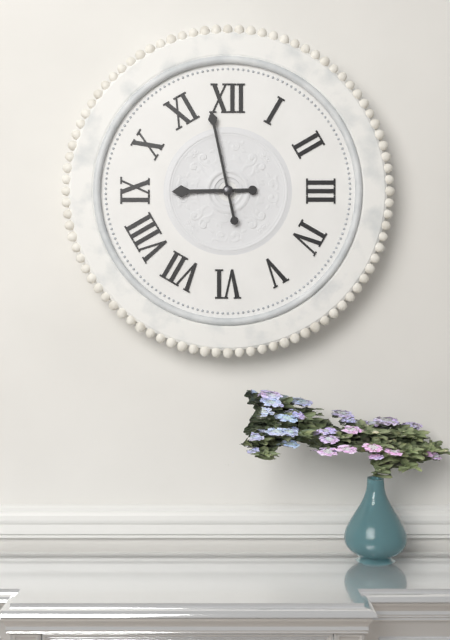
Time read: 8:58
